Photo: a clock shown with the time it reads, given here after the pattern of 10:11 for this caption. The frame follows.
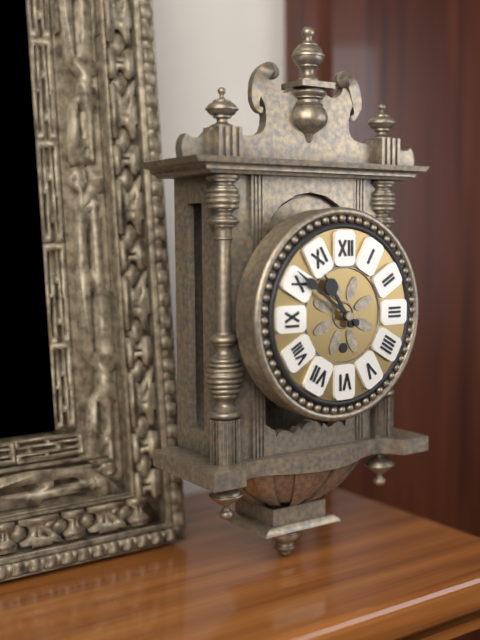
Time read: 10:51
